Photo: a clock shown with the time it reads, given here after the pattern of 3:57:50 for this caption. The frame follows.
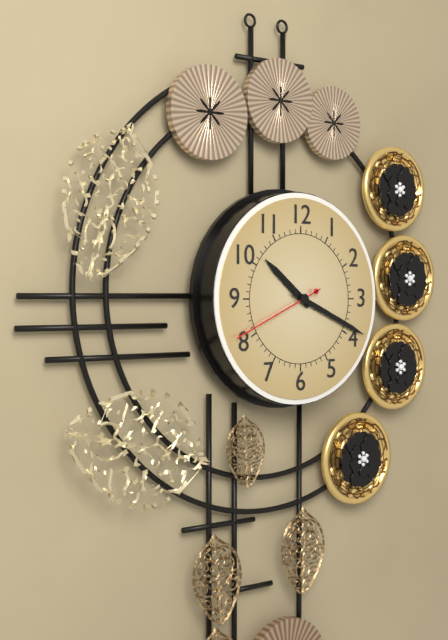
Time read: 10:19:41
